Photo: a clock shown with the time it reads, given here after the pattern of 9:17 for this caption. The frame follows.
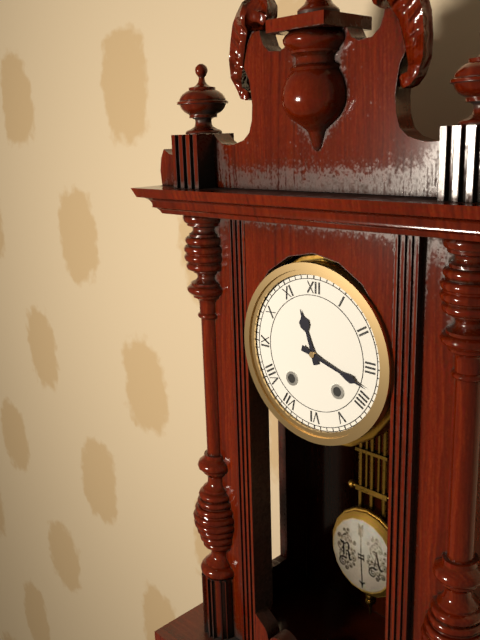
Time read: 11:18
